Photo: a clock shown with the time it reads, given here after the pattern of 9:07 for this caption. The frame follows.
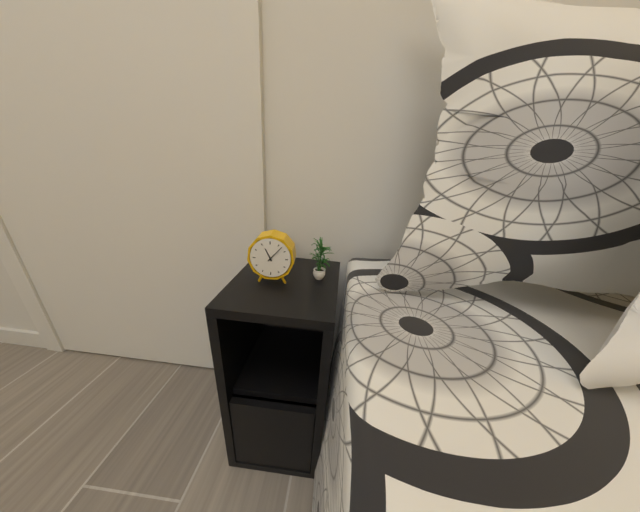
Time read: 11:07
